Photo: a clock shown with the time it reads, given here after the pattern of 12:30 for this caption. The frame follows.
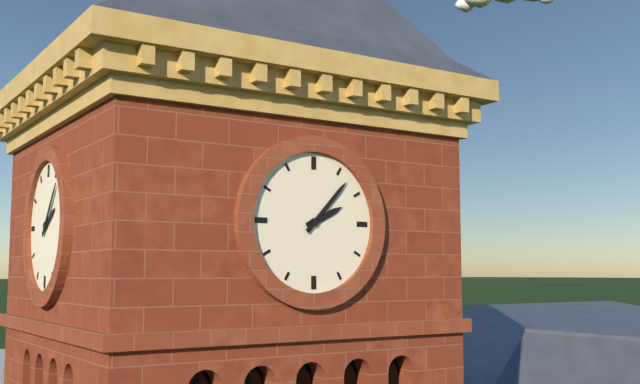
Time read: 2:07
